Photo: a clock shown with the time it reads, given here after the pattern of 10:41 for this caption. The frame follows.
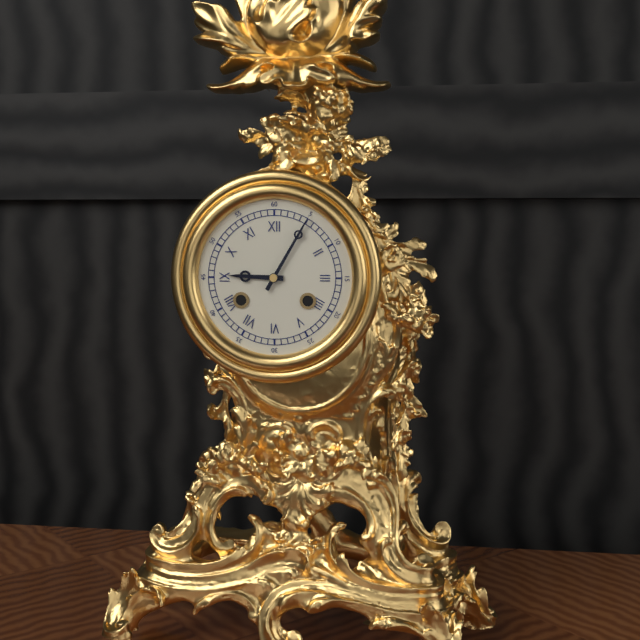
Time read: 9:05
